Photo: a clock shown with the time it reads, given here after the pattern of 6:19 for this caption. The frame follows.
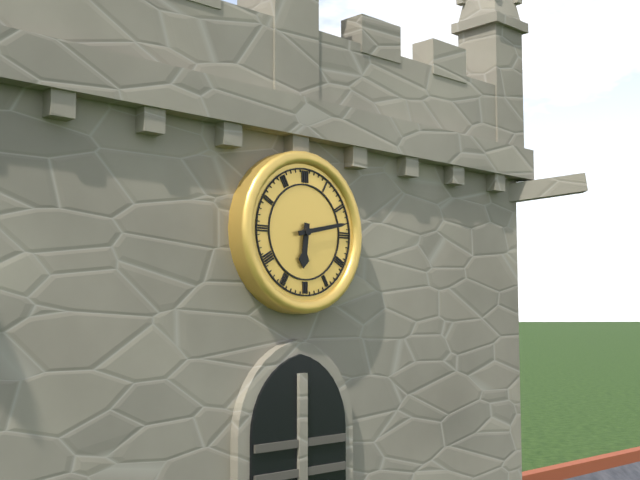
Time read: 6:13
